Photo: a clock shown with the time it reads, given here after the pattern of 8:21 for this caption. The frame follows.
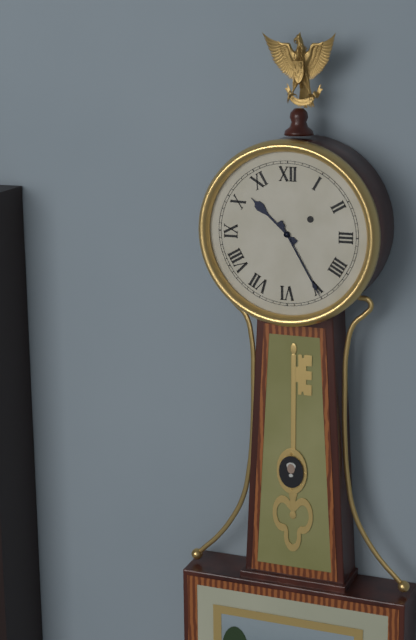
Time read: 10:25
